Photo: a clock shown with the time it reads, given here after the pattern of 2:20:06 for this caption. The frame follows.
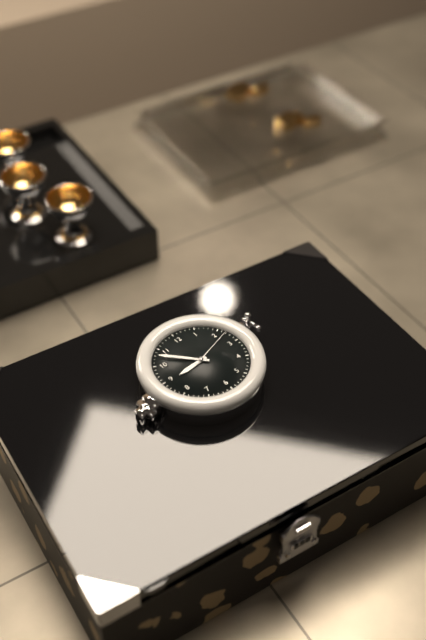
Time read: 8:53:12
